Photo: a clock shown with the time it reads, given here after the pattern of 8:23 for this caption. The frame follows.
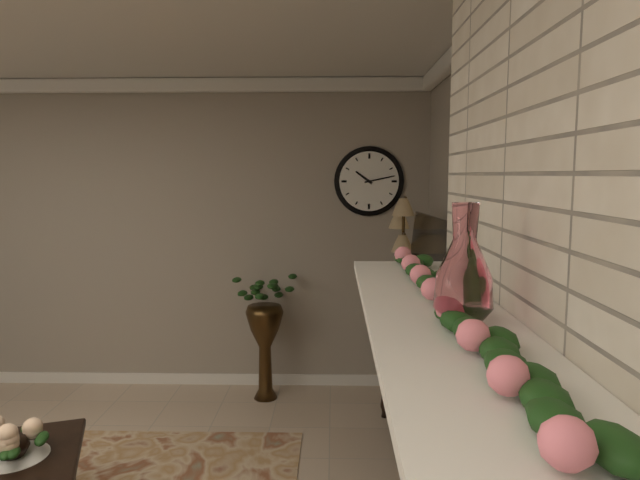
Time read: 10:13
